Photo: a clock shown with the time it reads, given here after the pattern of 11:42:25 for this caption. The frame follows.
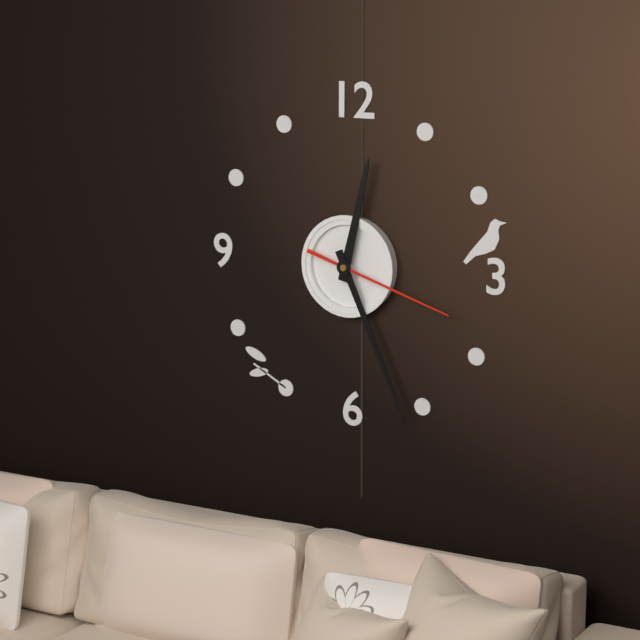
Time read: 12:26:18
